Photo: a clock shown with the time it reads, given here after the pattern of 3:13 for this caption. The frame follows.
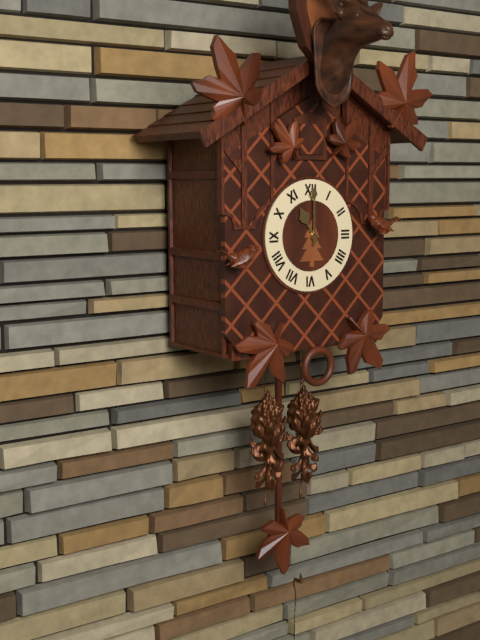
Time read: 11:00
